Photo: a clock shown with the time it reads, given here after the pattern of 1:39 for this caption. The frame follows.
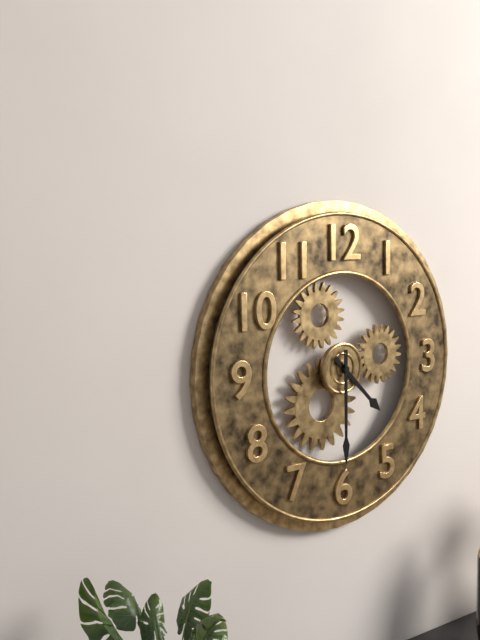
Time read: 4:30
